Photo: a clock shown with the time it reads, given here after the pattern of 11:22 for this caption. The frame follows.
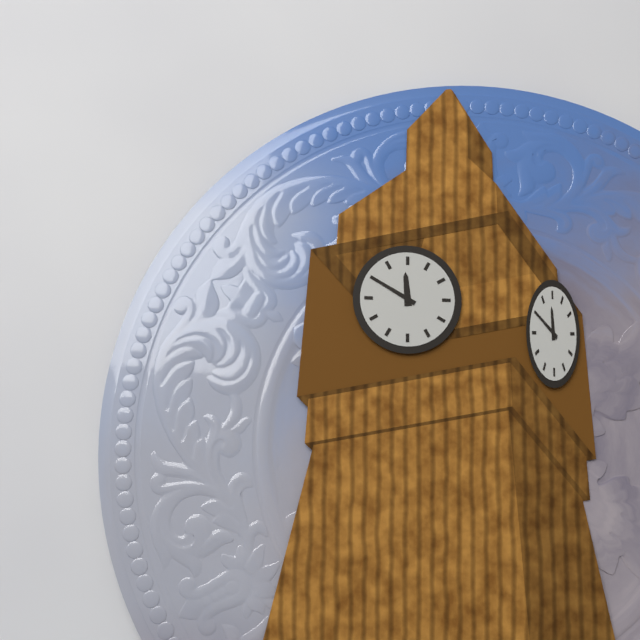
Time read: 11:50
